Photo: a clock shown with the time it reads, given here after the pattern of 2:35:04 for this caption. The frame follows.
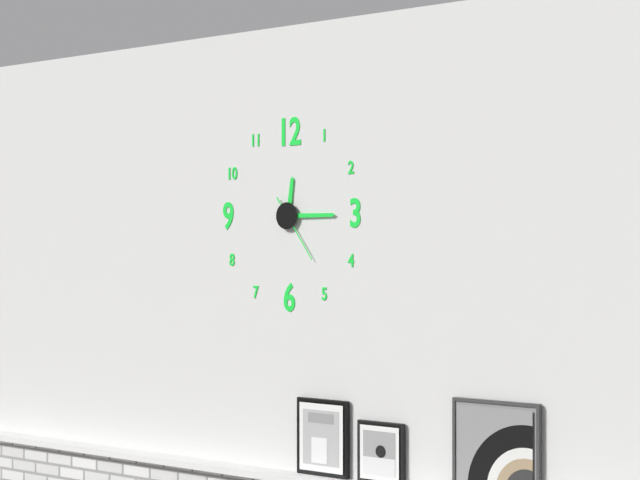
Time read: 12:15:24
